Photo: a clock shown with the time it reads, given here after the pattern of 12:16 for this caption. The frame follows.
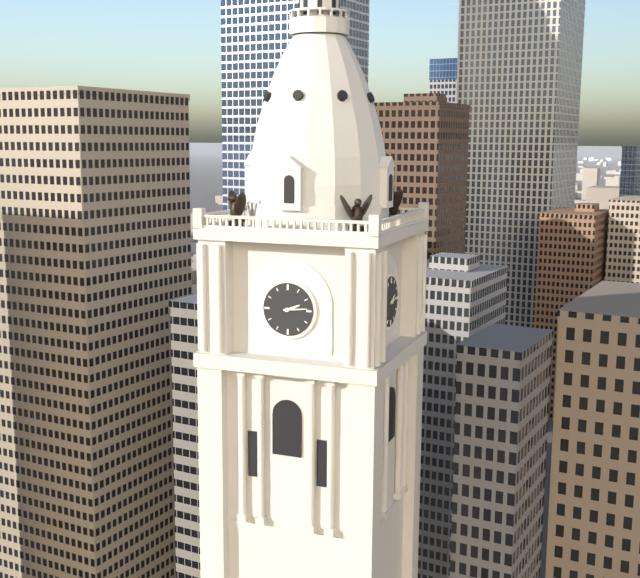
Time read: 2:14
